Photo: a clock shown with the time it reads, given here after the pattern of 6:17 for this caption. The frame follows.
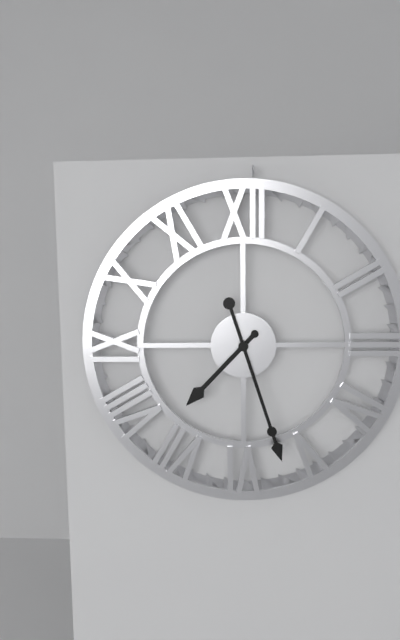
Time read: 7:27
